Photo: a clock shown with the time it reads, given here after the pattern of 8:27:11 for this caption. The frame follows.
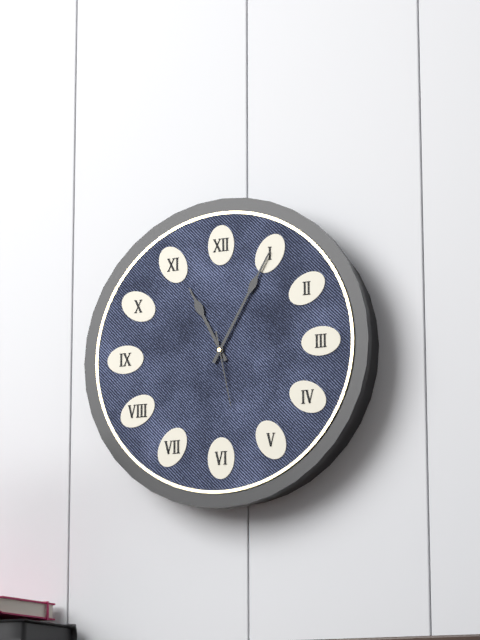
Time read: 11:05:28
